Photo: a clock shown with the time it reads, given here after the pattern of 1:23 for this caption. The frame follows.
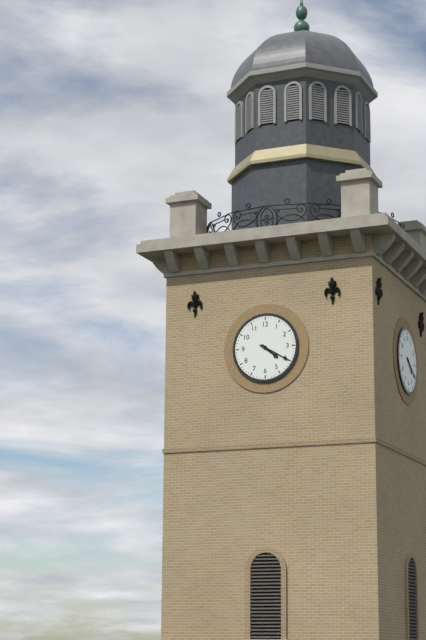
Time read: 4:20
